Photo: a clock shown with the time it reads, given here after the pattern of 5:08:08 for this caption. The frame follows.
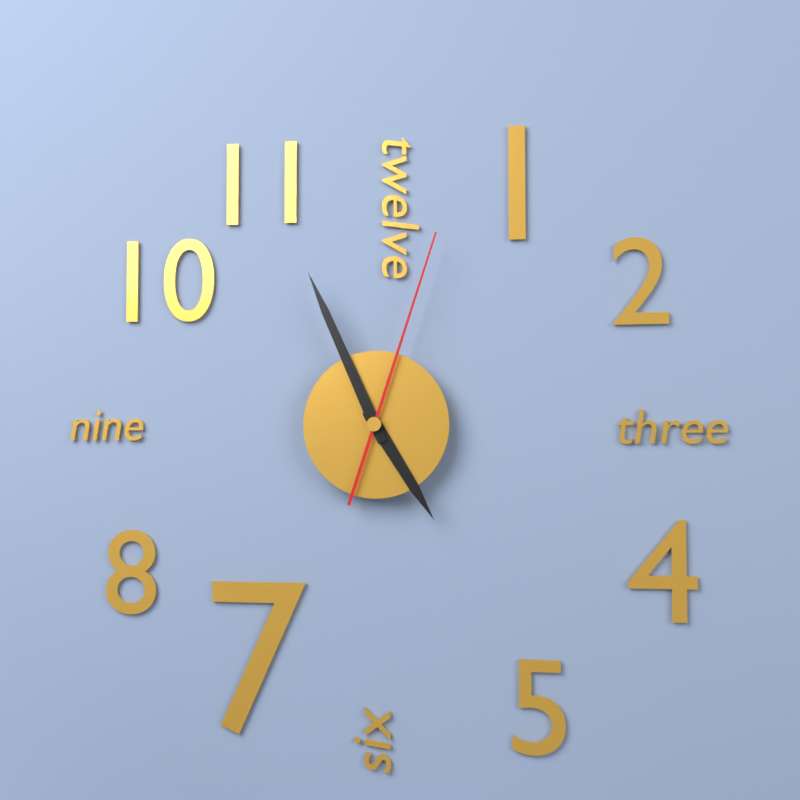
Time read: 4:56:03
